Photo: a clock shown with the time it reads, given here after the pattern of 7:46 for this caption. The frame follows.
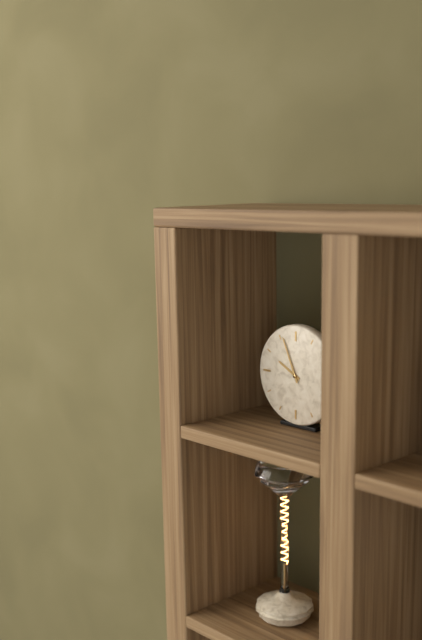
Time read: 9:56
